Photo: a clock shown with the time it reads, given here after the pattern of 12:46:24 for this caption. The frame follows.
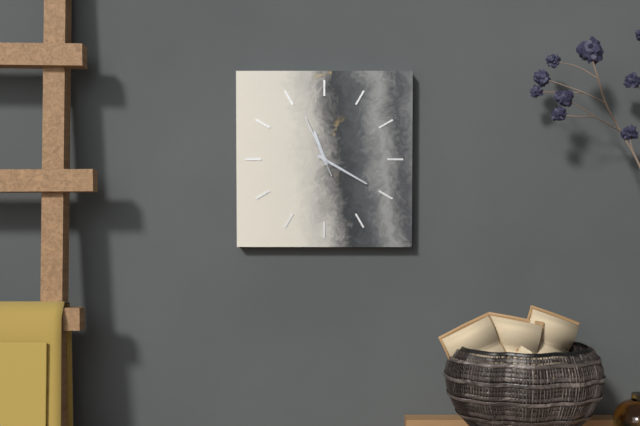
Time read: 11:20:56
